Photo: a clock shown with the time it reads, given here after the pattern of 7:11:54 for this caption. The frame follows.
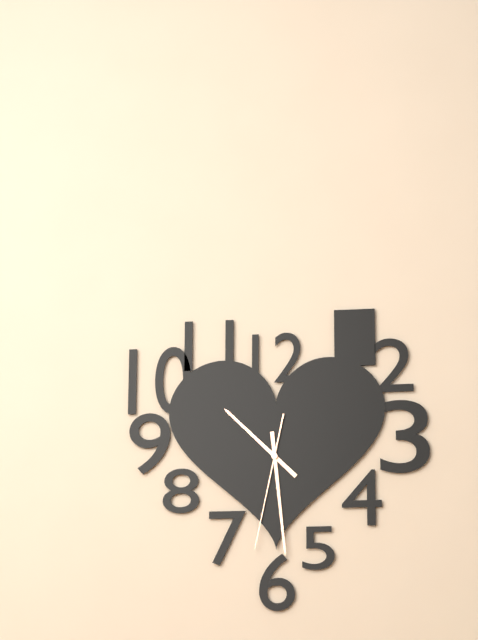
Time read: 10:29:32
